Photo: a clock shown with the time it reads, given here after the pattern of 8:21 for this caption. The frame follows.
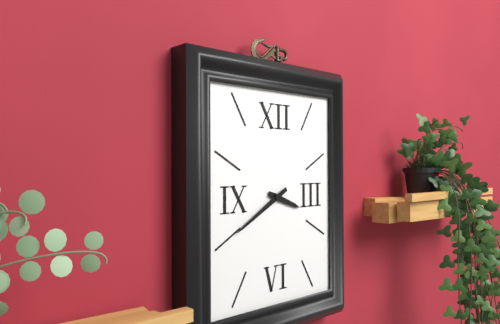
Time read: 3:40
